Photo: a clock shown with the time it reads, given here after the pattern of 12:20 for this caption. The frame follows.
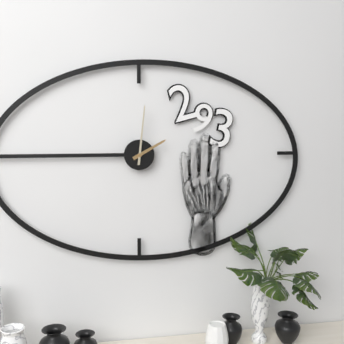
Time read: 2:01
